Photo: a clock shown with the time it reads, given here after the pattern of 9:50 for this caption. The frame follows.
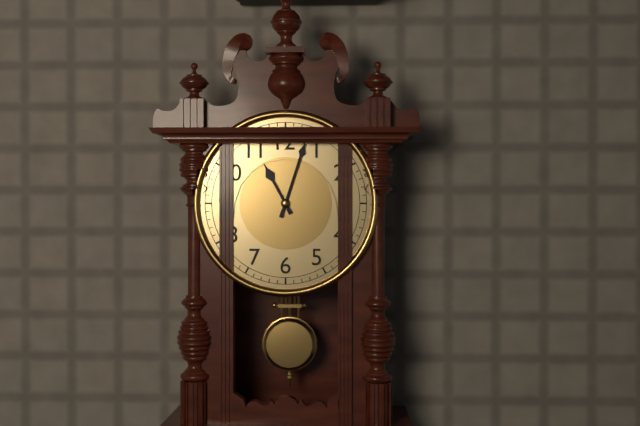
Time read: 11:03
